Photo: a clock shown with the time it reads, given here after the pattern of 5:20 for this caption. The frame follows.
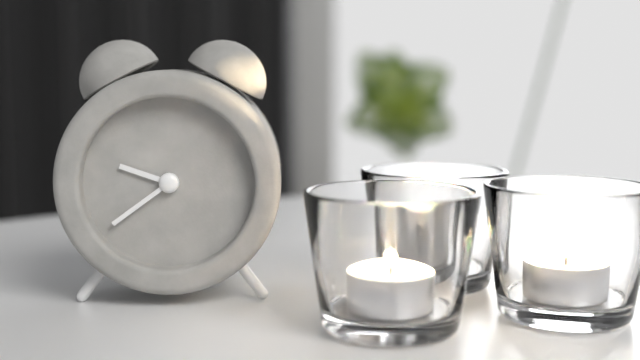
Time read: 9:39
